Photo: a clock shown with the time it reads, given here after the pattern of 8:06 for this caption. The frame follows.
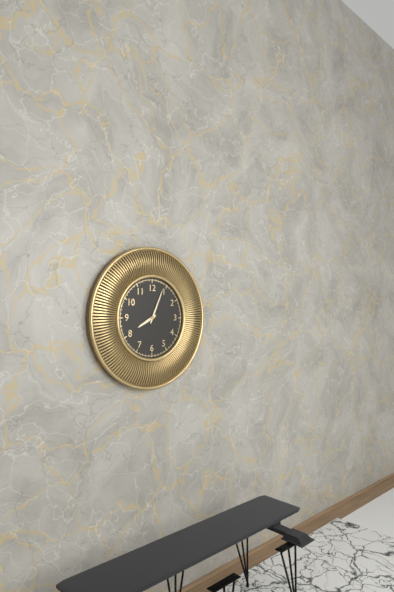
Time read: 8:04
